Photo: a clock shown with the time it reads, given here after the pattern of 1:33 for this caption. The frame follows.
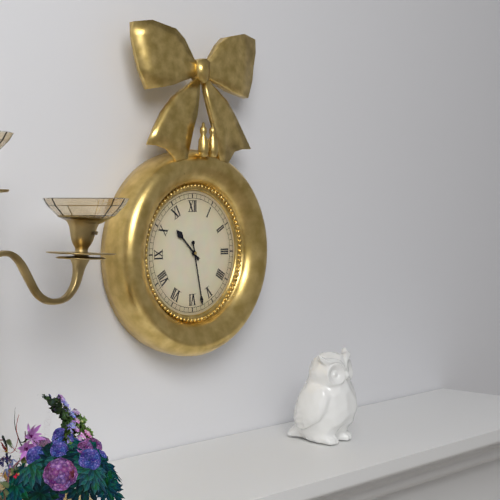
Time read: 10:28
